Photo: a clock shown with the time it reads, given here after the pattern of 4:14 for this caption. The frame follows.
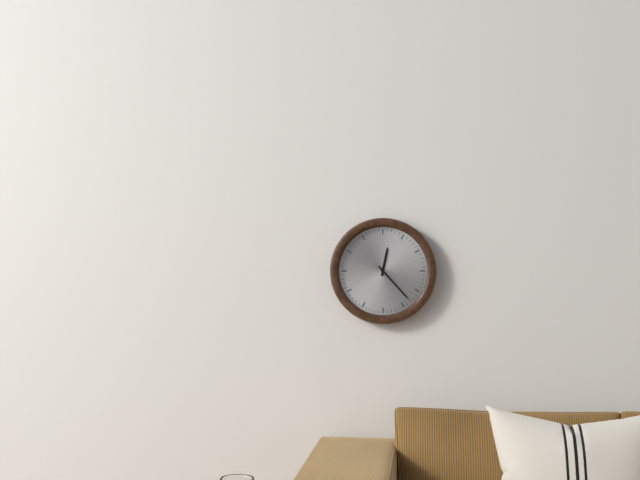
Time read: 12:23
